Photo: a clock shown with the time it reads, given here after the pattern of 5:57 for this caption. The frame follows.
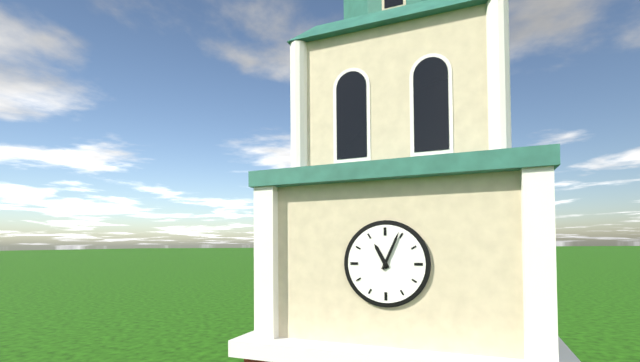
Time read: 11:04
